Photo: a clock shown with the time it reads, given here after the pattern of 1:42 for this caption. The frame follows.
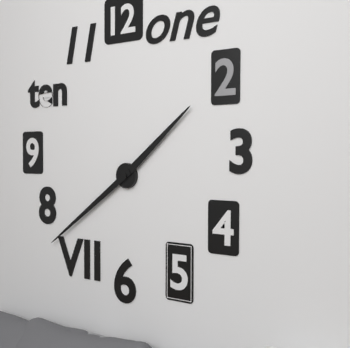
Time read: 1:39
